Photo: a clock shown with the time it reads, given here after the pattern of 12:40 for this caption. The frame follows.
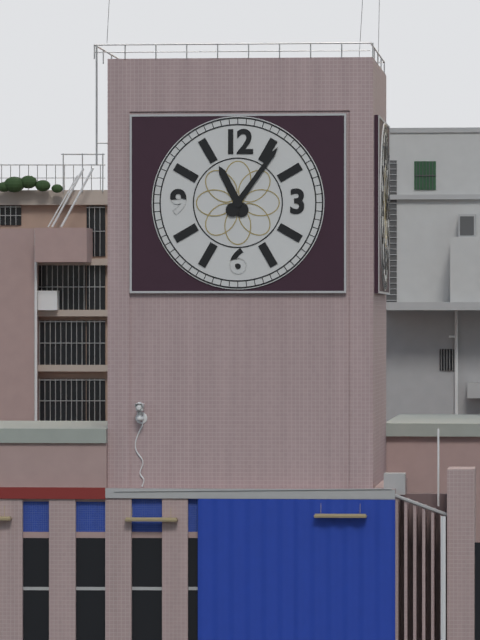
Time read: 11:06
